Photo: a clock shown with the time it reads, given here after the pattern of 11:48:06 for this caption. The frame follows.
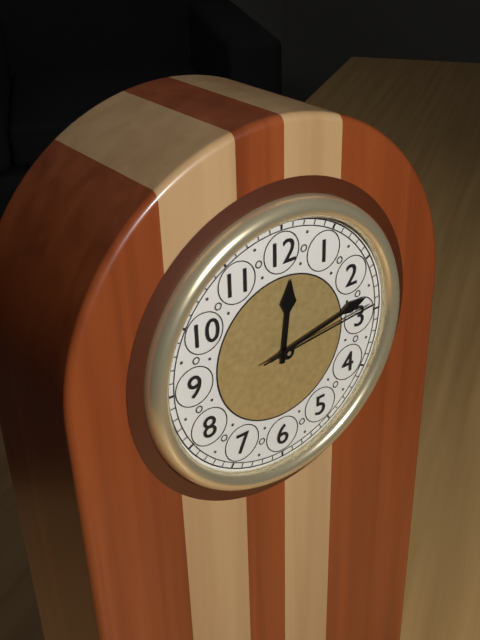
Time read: 12:13:14
